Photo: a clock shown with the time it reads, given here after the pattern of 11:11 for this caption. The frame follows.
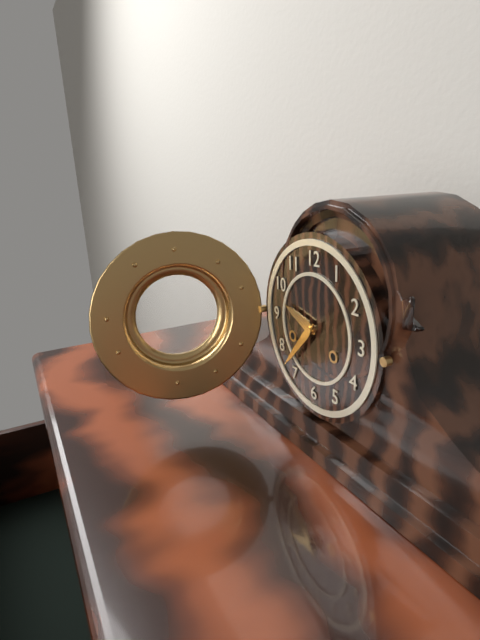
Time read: 9:37
